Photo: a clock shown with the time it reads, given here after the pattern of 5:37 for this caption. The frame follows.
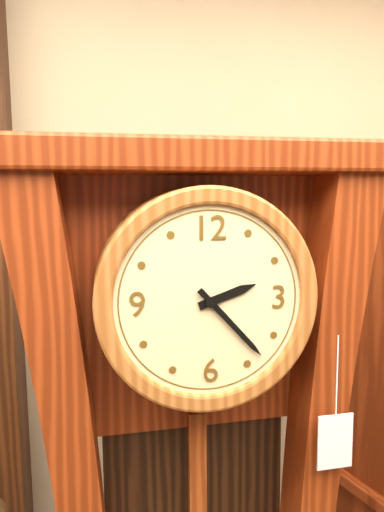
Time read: 2:23
